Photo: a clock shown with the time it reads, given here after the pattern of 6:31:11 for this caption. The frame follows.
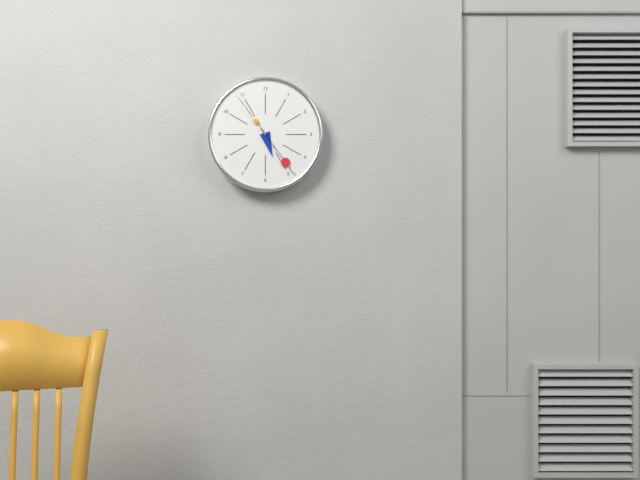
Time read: 5:24:54
